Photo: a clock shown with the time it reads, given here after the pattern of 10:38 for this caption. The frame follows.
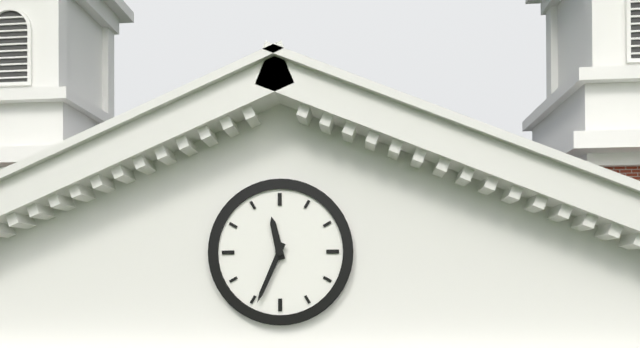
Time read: 11:34
